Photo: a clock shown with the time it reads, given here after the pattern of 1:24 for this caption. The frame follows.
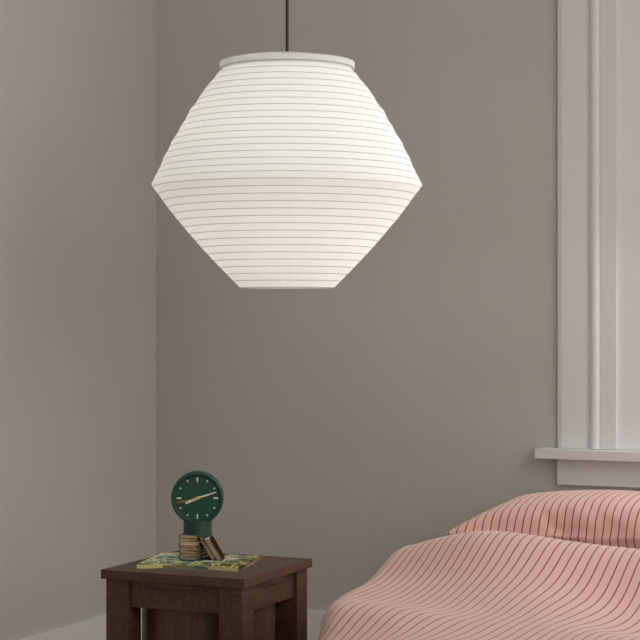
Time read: 8:12
